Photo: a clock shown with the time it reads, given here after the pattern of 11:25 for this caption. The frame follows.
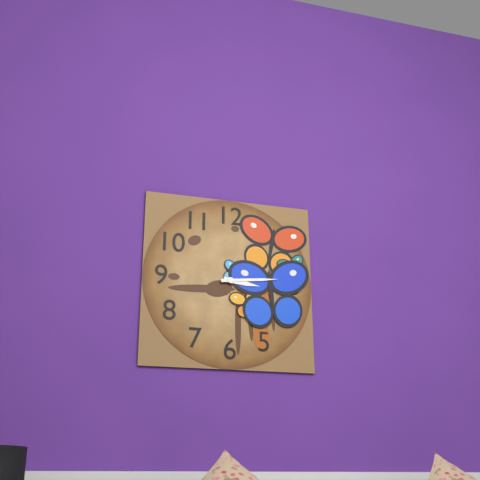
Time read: 3:14
